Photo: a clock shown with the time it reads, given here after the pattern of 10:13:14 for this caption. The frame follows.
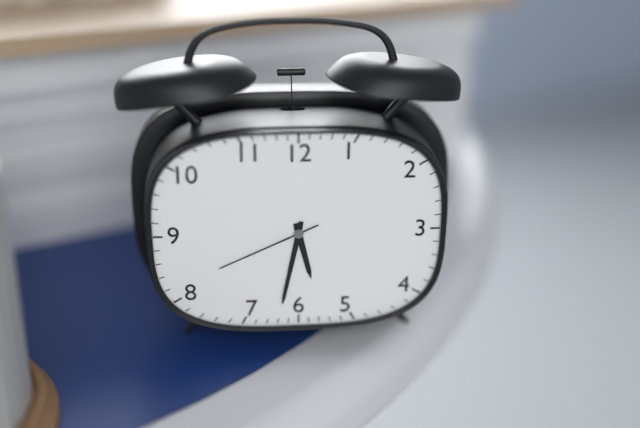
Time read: 5:32:41
